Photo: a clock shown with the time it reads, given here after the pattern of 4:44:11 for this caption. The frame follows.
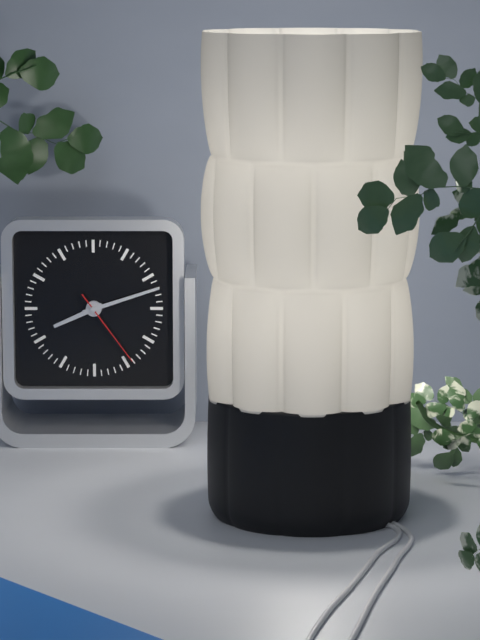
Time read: 8:12:24
